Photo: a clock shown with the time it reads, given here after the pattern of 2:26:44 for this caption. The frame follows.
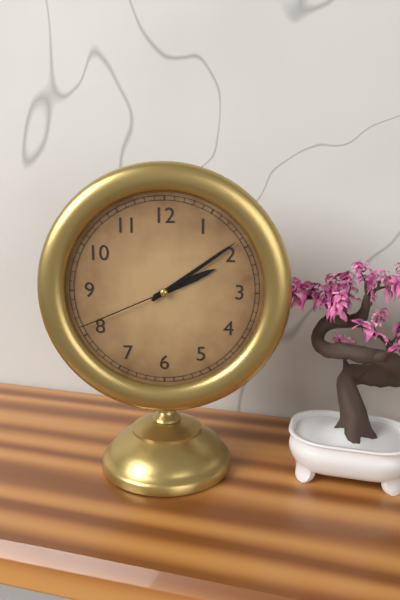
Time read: 2:09:41
